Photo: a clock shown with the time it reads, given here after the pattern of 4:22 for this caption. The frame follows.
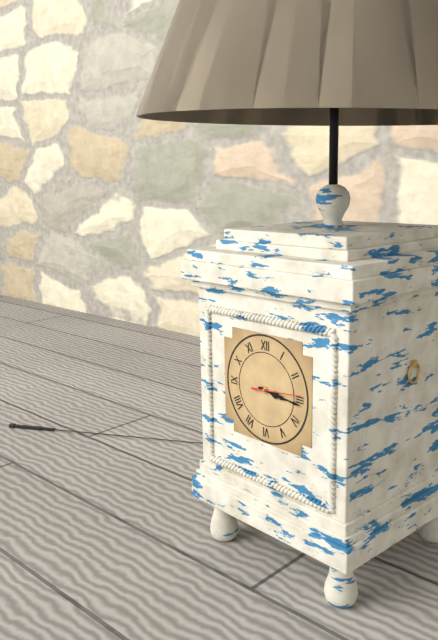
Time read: 3:16
